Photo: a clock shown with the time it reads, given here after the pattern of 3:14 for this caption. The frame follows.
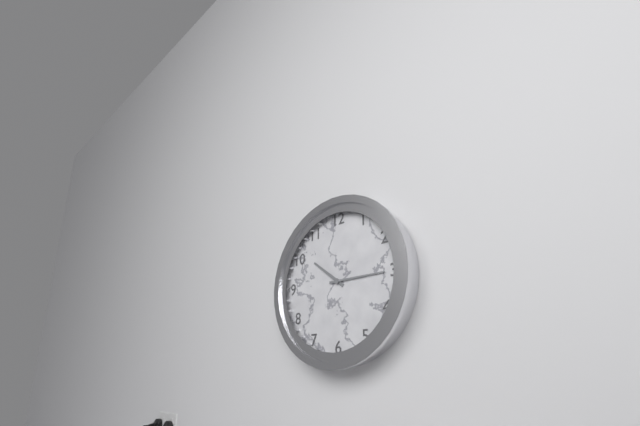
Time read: 10:15
